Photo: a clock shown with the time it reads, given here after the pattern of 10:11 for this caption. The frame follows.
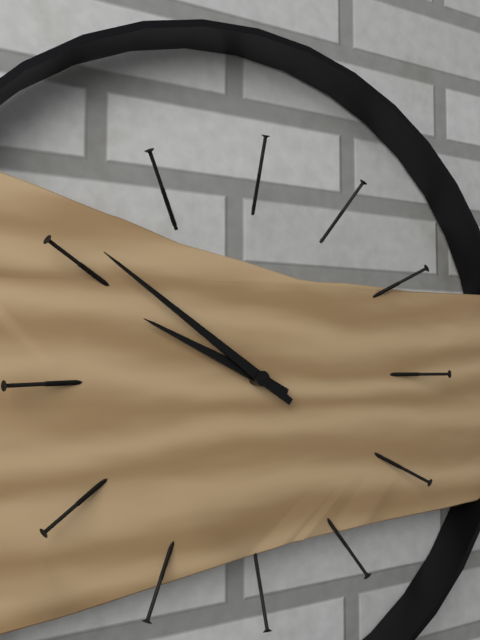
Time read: 9:51
